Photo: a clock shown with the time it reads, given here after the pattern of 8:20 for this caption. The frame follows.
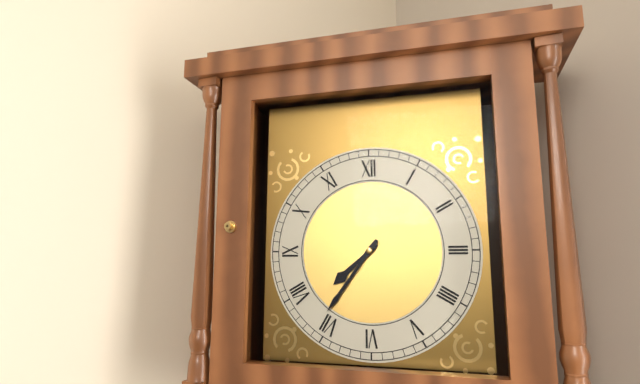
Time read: 7:36
